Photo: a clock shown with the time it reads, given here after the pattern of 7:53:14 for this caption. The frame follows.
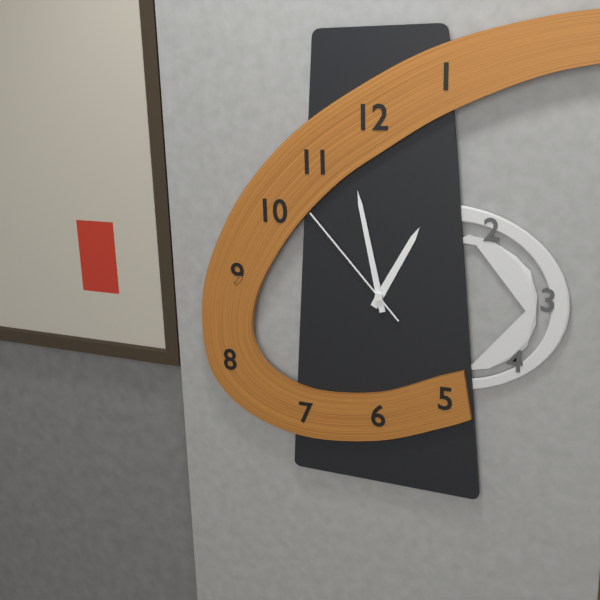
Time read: 12:58:53
